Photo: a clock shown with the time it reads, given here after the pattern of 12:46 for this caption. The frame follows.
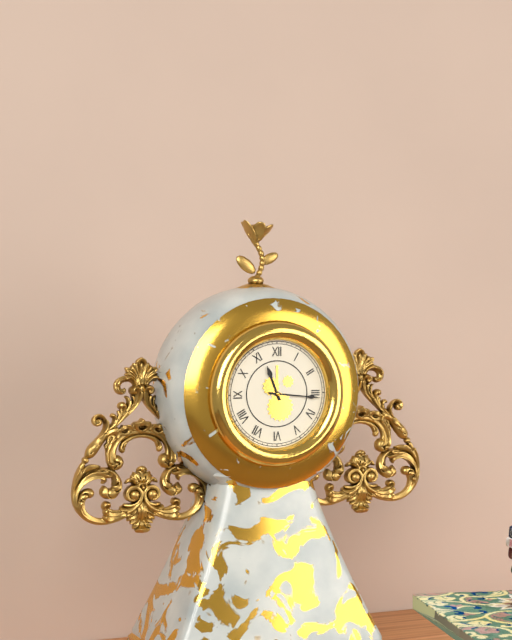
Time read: 11:16
